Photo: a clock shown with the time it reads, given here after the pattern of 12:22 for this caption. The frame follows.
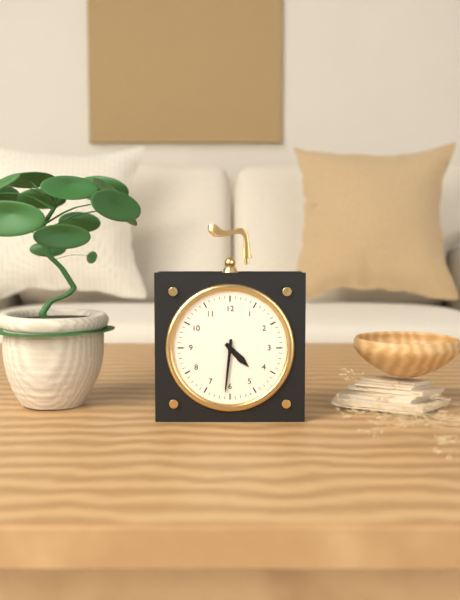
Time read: 4:31
